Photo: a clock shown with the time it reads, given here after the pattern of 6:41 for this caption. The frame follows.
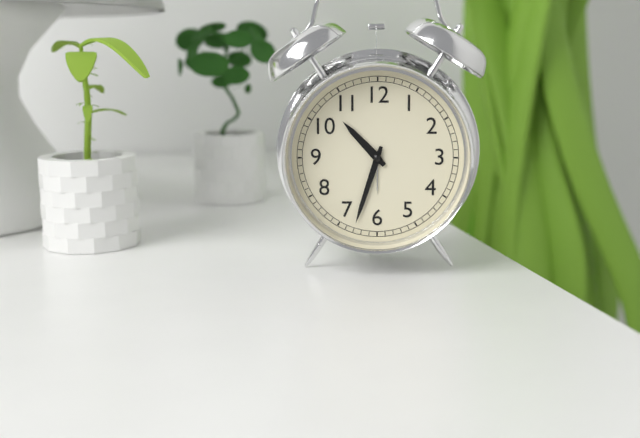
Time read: 10:33
